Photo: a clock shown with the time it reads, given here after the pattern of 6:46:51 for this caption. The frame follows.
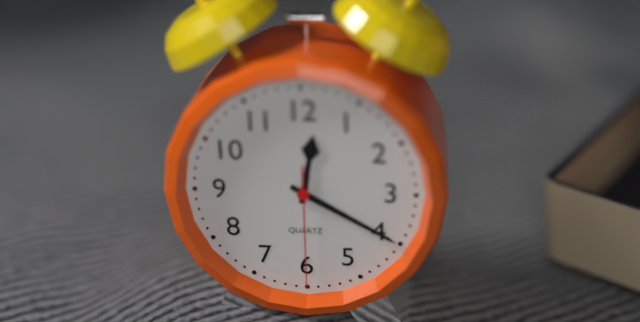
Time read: 12:20:30
